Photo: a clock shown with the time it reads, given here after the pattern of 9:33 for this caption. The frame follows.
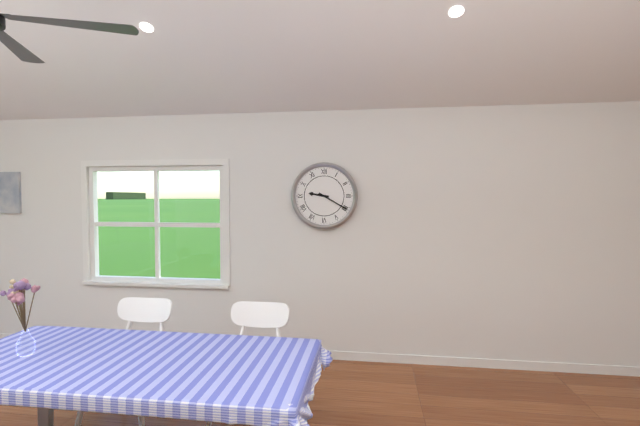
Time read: 9:20
